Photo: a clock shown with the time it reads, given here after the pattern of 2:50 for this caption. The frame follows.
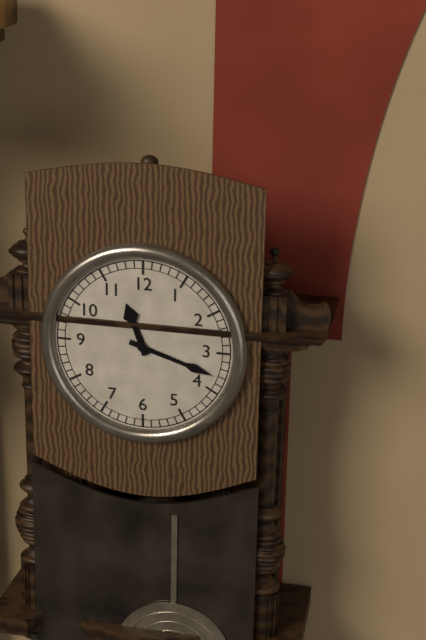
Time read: 11:18
